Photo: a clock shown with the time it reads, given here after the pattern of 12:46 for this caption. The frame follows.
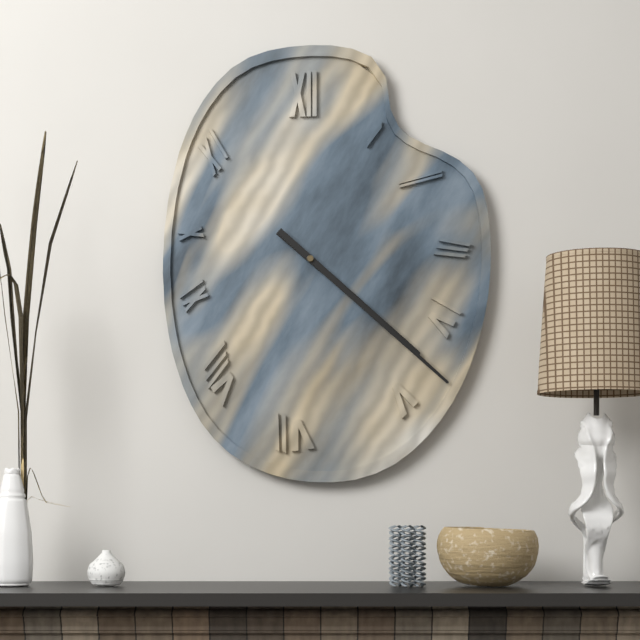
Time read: 4:22
